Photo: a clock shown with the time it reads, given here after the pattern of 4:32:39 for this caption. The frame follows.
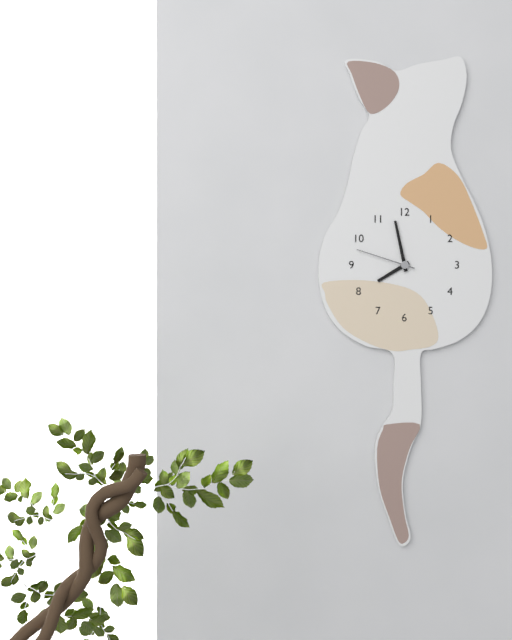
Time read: 7:58:48
